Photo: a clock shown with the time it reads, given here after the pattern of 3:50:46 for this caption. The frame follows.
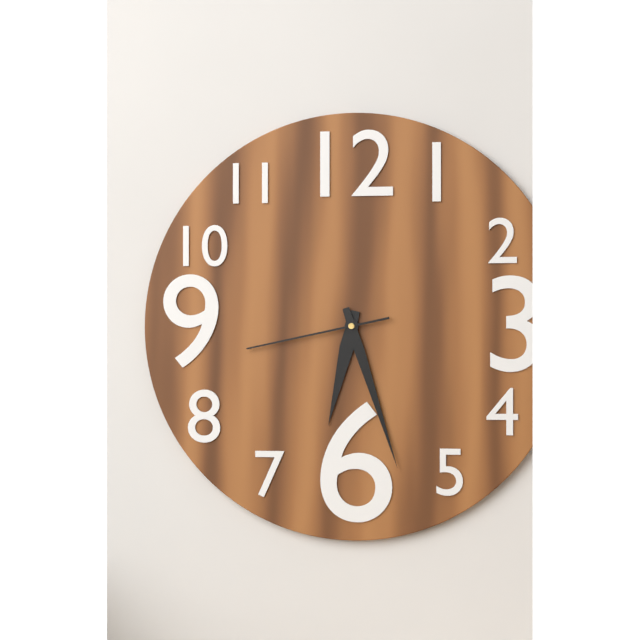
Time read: 6:27:43
